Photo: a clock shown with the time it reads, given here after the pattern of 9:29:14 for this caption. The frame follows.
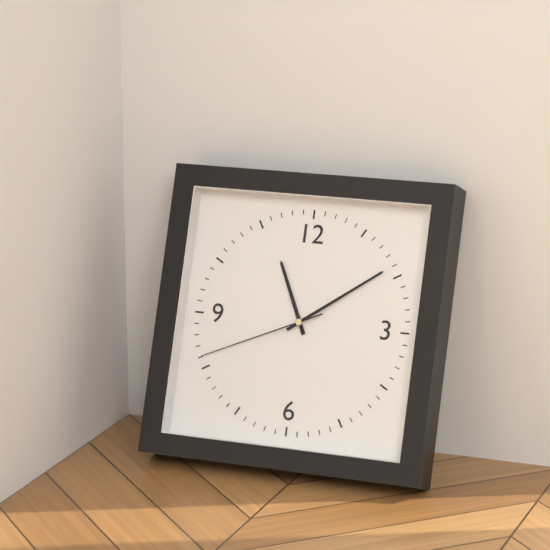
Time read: 11:09:41
